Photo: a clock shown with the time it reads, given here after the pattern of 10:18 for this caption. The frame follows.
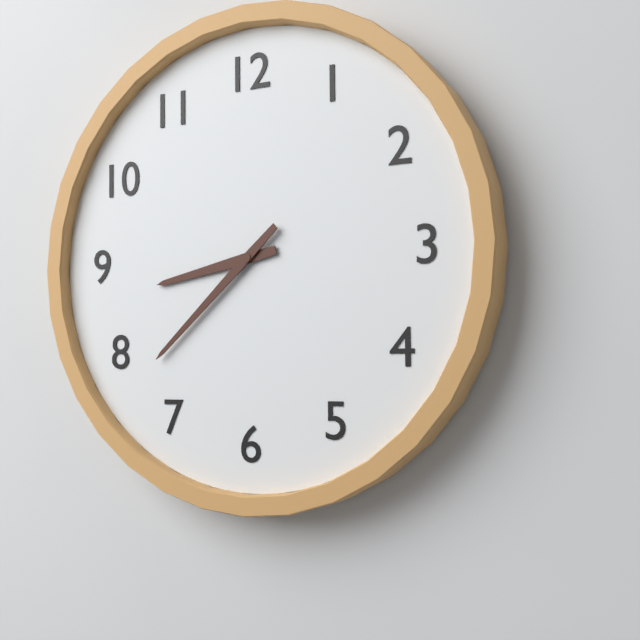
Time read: 8:38
